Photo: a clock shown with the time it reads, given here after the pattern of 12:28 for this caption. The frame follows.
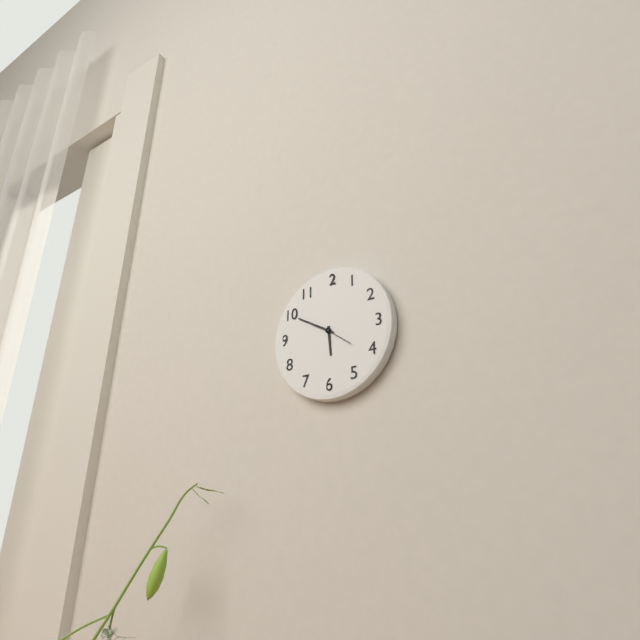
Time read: 5:50
